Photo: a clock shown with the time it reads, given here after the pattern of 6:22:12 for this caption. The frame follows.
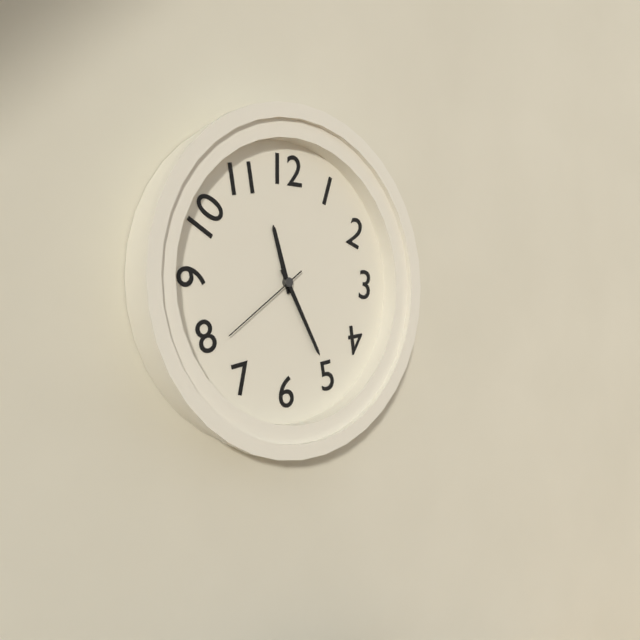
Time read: 11:25:39
